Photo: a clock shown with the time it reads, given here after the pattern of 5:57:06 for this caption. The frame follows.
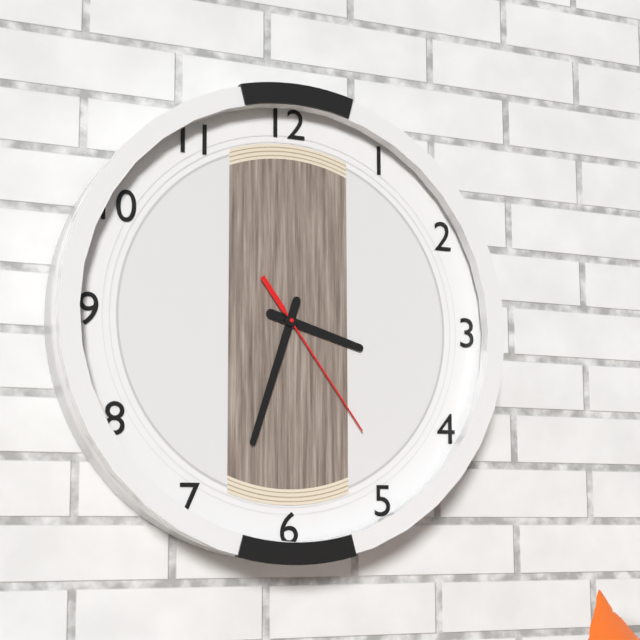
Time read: 3:33:24
